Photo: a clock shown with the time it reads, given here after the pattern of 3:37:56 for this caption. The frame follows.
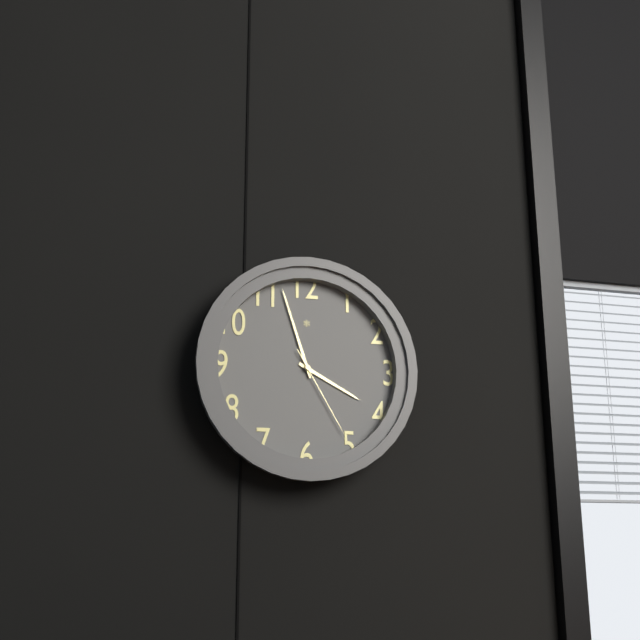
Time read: 3:57:25
